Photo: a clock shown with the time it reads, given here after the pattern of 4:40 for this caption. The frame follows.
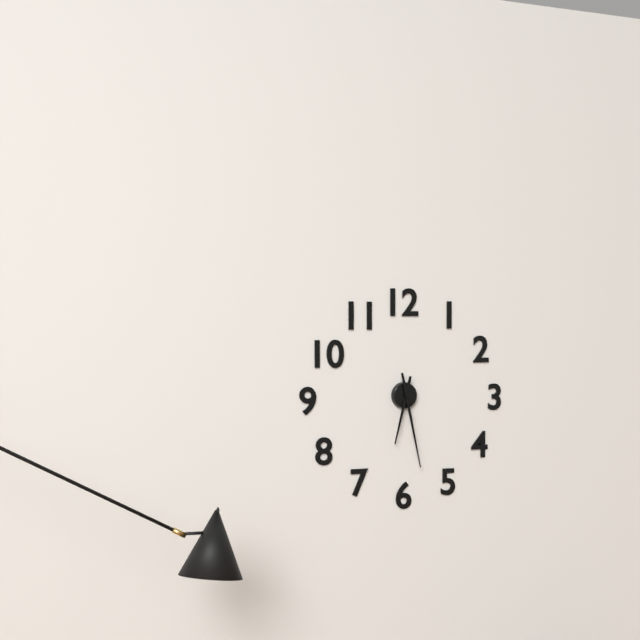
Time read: 6:28
